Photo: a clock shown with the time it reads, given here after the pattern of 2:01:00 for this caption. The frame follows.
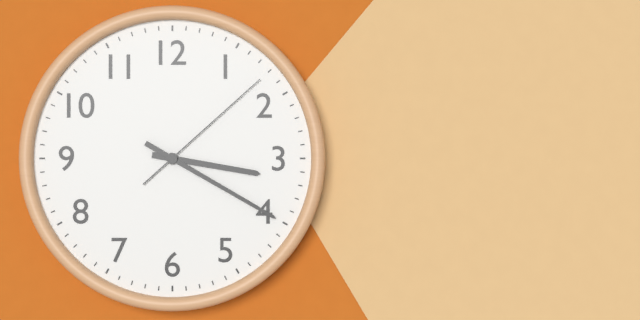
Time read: 3:20:08
